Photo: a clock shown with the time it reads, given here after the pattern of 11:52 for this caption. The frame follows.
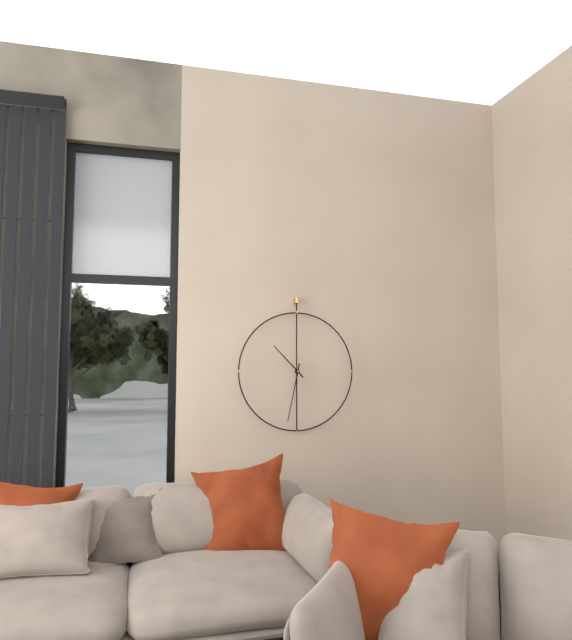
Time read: 10:32
